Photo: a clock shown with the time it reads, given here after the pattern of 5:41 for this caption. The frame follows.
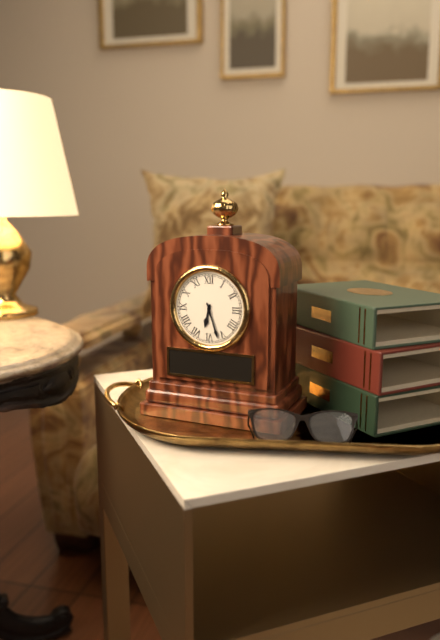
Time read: 6:27
